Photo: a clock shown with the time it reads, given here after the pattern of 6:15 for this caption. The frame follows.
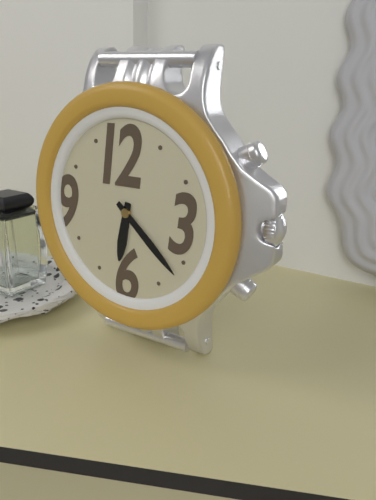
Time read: 6:22
